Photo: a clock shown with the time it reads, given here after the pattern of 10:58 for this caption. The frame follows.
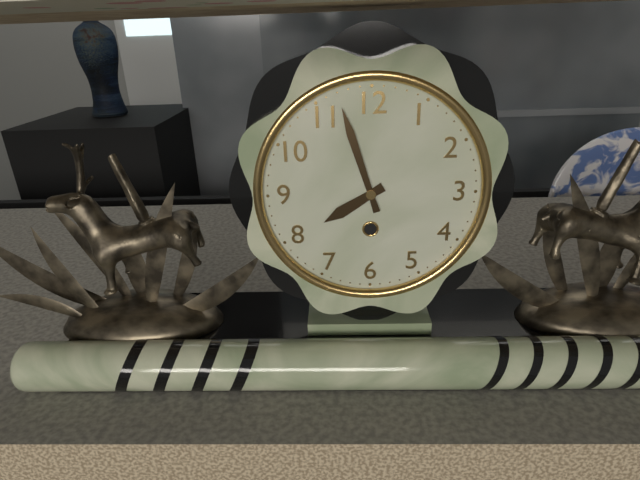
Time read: 7:57
